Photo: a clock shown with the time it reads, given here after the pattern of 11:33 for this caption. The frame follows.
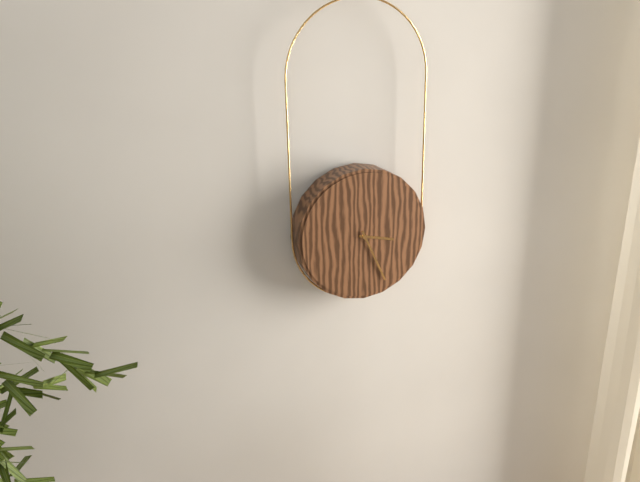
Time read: 3:26
